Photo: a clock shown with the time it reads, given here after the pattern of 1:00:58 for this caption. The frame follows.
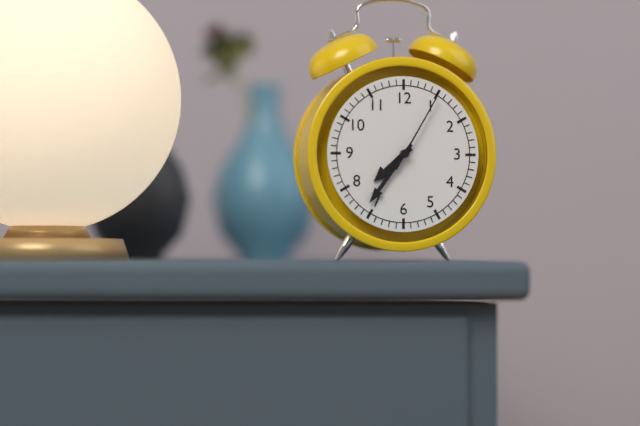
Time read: 7:36:05
